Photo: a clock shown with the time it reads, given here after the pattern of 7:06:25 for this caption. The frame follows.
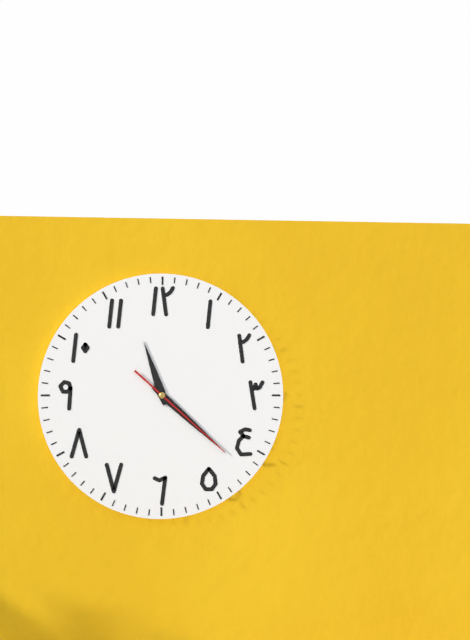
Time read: 11:22:22
